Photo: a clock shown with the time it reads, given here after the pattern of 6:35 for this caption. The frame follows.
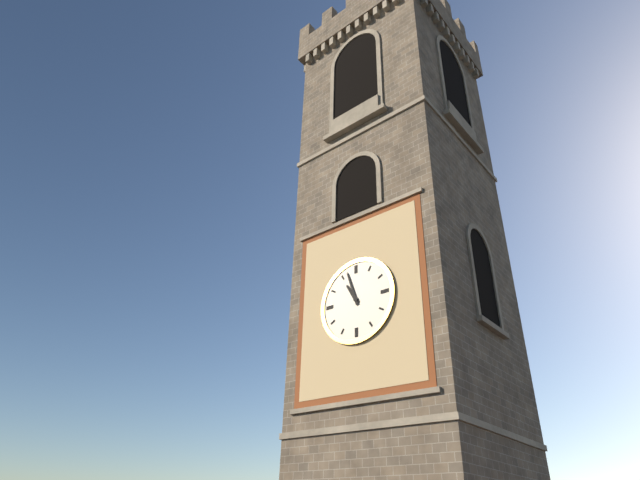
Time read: 10:57
